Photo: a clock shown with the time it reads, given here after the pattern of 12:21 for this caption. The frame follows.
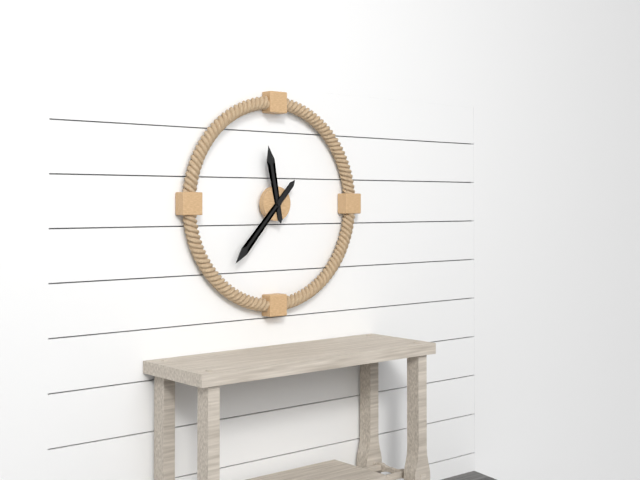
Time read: 11:37
